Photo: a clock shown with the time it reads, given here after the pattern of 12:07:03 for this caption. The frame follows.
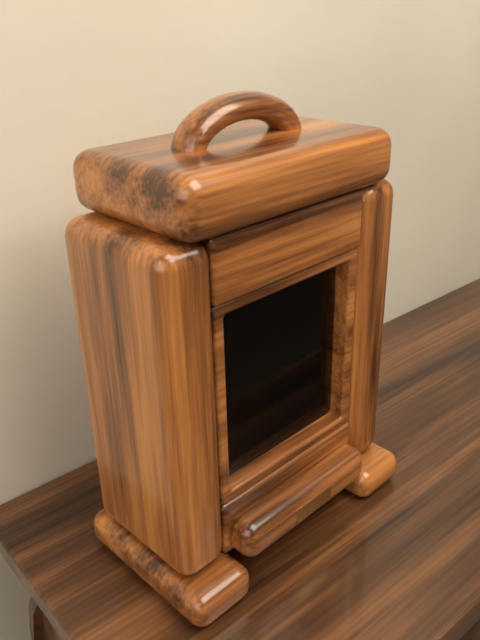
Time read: 9:14:25
